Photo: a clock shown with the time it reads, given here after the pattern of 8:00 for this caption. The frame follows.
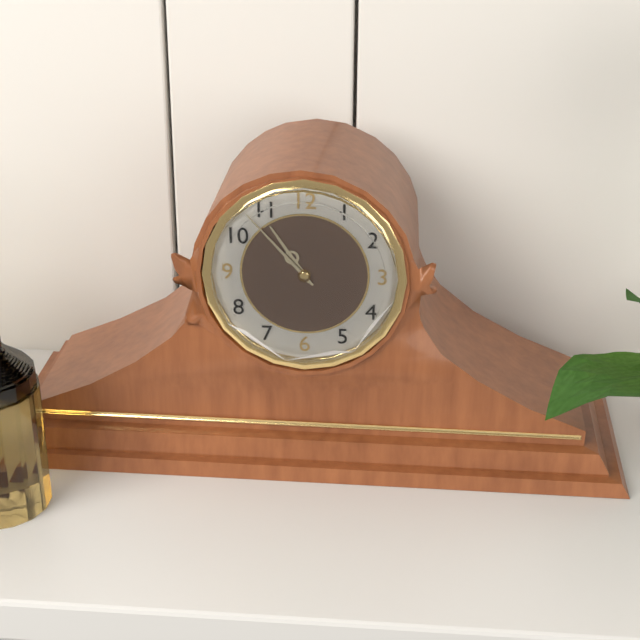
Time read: 10:53
